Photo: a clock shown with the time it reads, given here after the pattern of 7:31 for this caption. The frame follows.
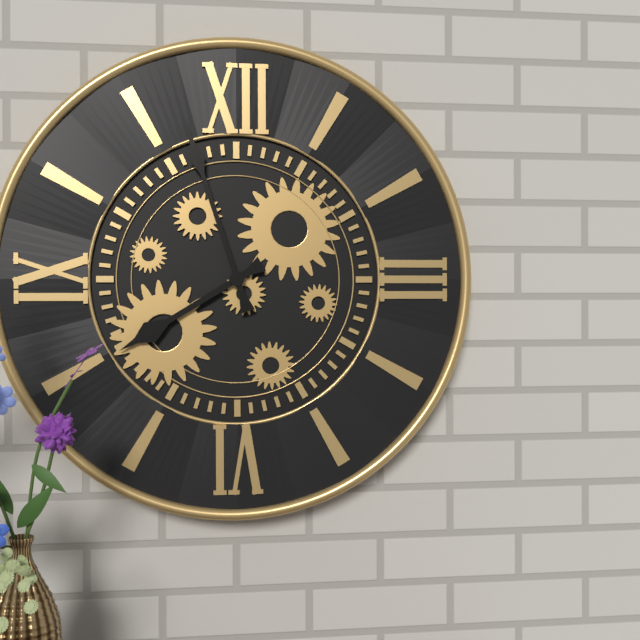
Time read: 7:57
